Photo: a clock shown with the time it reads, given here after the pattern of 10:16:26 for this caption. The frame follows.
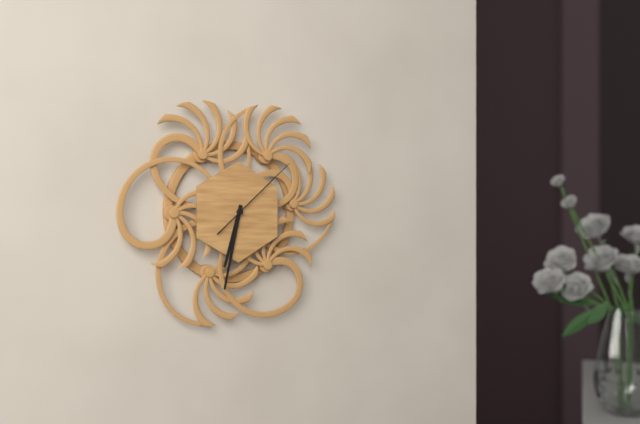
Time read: 6:32:08
